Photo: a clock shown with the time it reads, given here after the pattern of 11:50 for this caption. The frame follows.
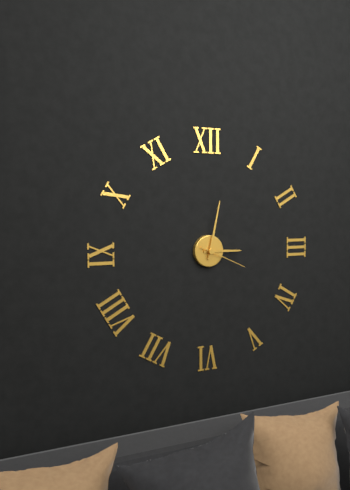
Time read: 3:02
